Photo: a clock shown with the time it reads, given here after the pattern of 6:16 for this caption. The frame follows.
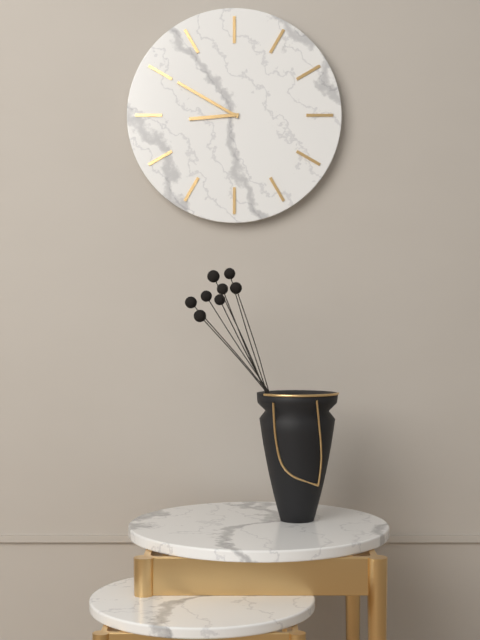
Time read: 8:50
